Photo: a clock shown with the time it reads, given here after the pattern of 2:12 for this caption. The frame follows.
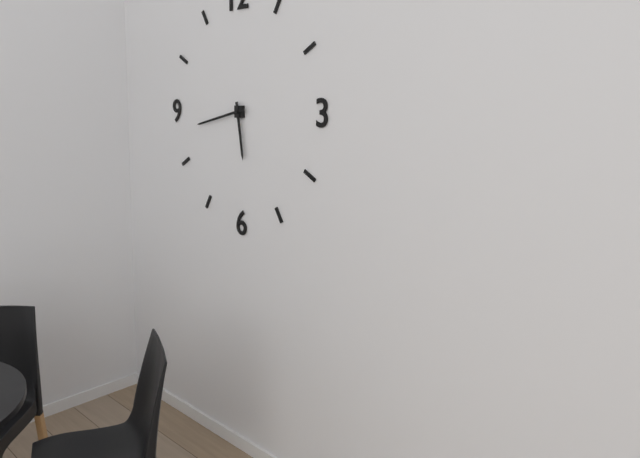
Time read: 5:43
